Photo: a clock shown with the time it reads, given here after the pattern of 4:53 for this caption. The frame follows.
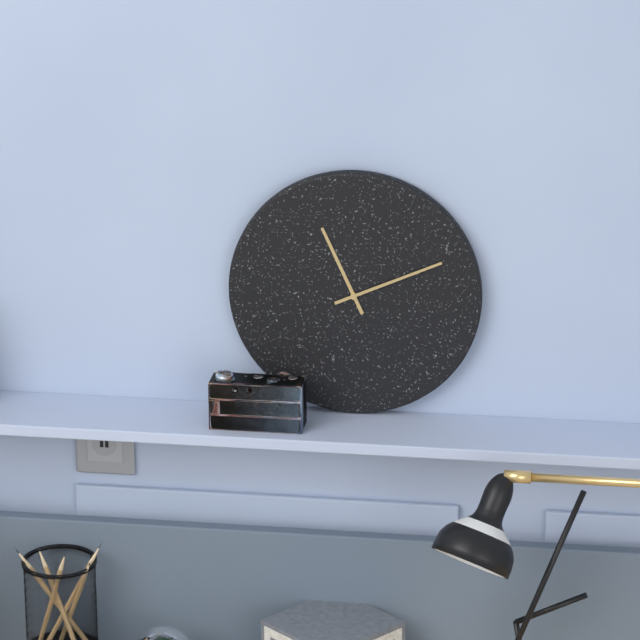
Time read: 11:11
